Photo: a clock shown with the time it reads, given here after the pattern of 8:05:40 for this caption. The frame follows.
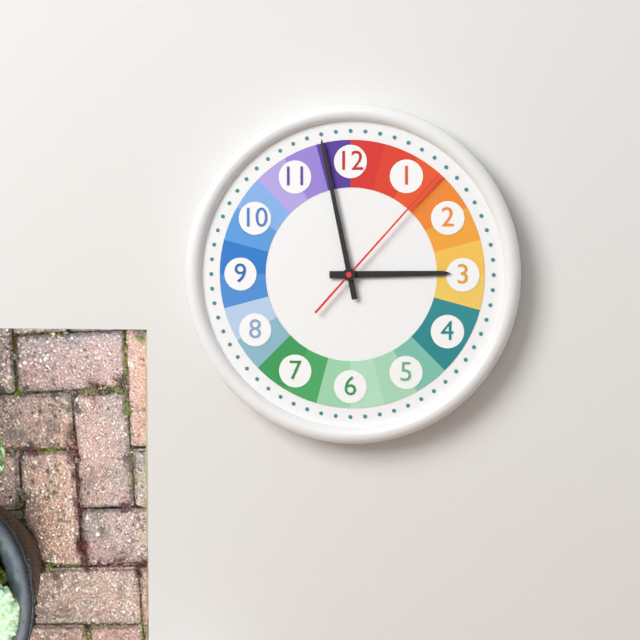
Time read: 2:58:07
